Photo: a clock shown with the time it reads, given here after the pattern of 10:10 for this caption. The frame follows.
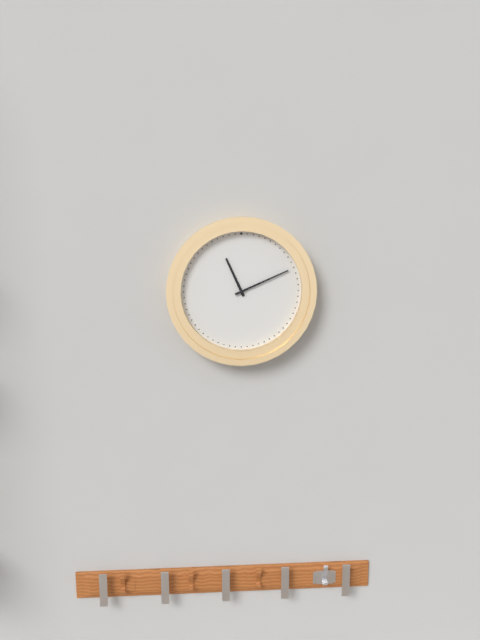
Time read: 11:11
